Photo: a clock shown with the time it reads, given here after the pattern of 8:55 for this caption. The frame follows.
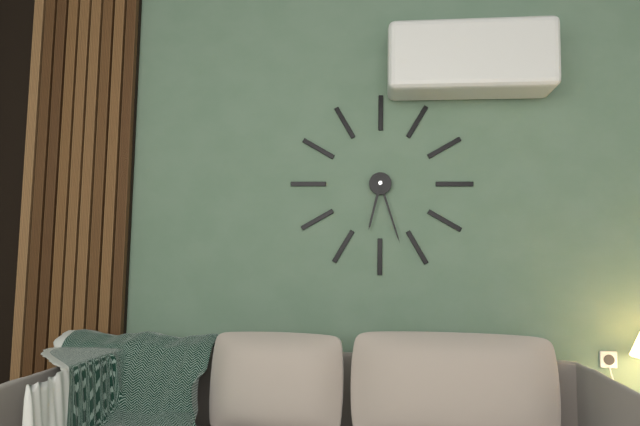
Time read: 6:27
